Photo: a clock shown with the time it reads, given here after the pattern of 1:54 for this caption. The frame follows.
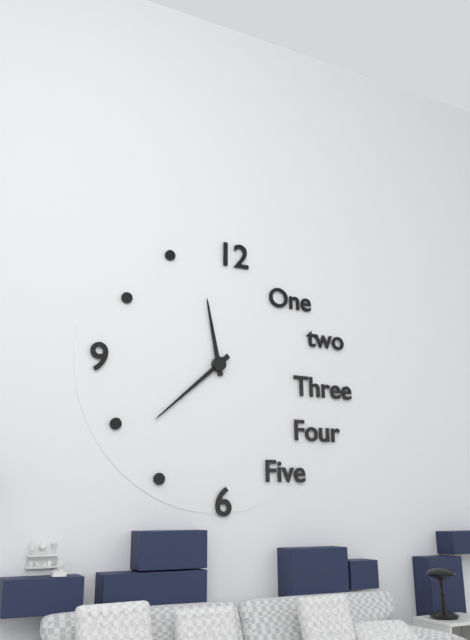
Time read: 11:38
